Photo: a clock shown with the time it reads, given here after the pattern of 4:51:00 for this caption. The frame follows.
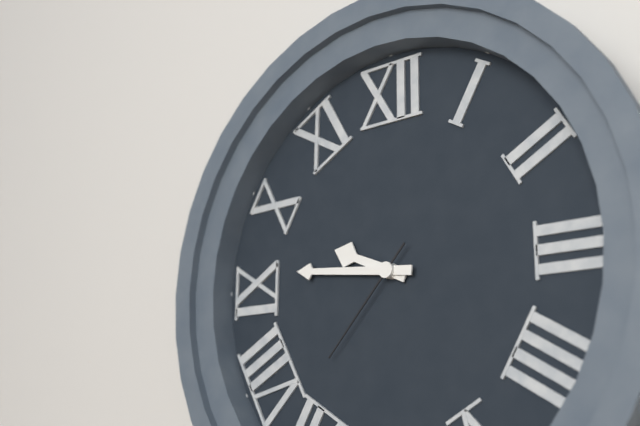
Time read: 9:46:37
